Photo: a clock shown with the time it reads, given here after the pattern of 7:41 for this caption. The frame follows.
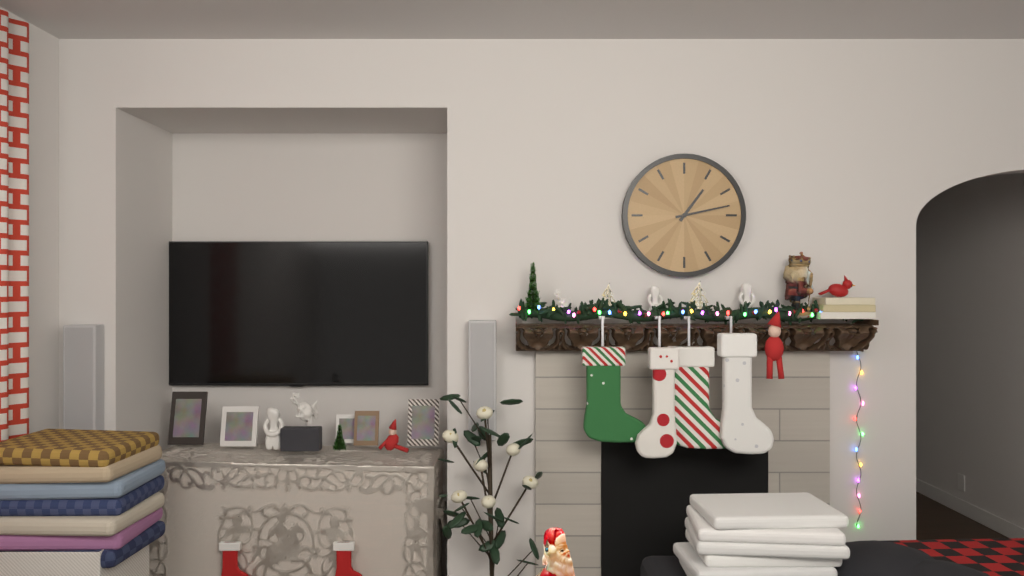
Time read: 1:13
